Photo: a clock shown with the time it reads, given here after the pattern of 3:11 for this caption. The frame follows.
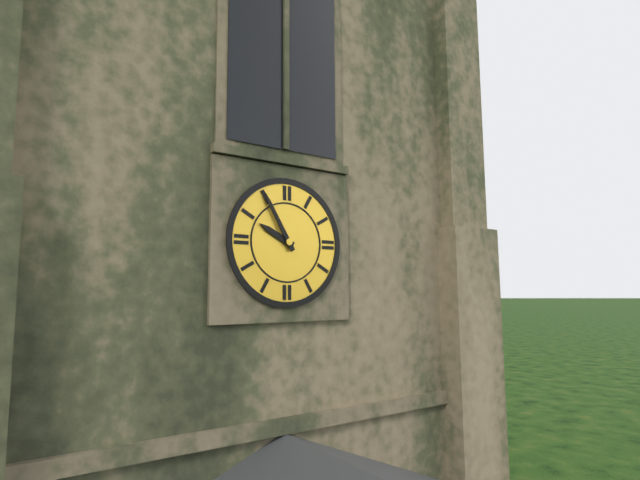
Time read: 9:55
